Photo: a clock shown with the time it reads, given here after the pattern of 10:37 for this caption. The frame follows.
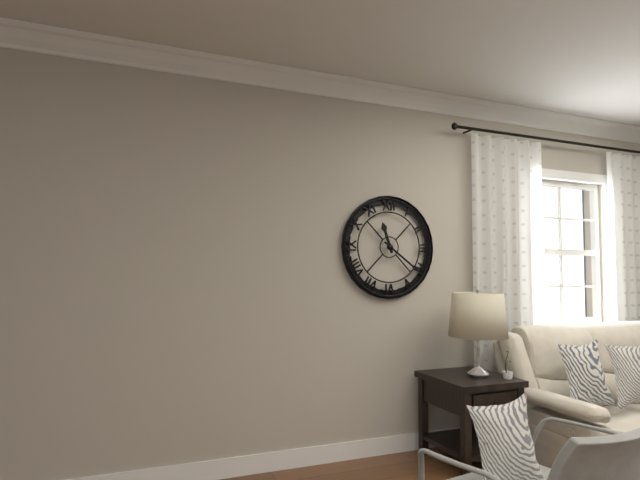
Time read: 11:21
